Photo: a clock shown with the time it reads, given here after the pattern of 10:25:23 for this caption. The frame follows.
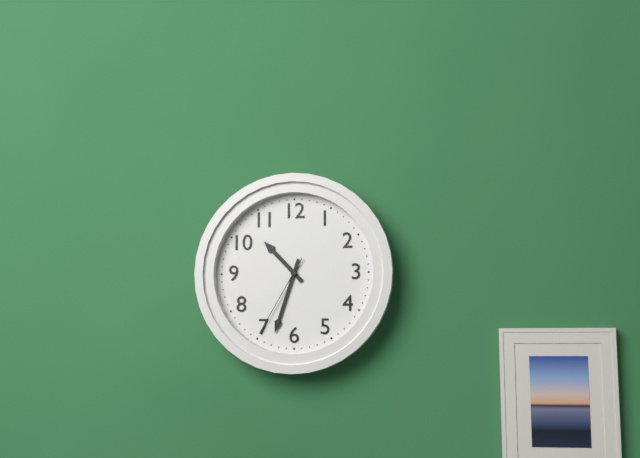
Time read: 10:33:35
